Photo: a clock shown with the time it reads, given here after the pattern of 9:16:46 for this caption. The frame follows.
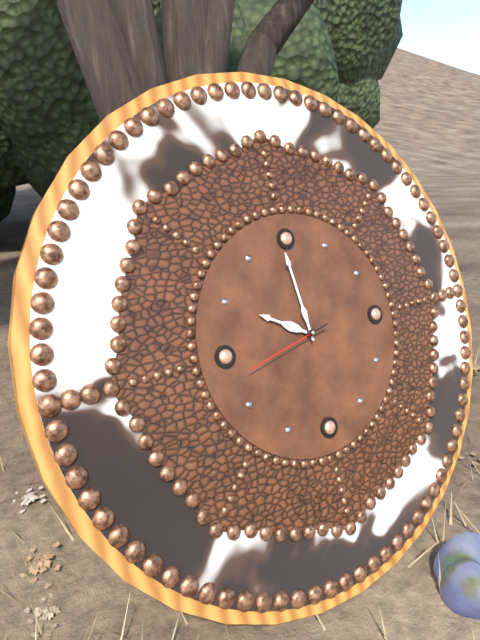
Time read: 9:59:43
